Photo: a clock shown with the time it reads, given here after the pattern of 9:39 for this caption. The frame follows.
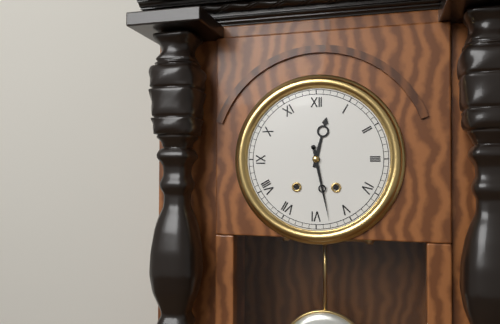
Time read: 12:28
